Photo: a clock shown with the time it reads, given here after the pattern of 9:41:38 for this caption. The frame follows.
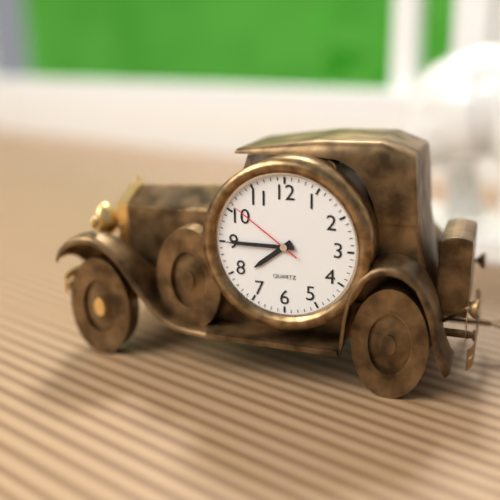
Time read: 7:45:51
